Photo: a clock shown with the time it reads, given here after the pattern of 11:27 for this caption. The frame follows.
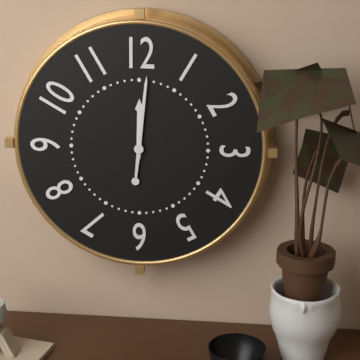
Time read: 12:01
